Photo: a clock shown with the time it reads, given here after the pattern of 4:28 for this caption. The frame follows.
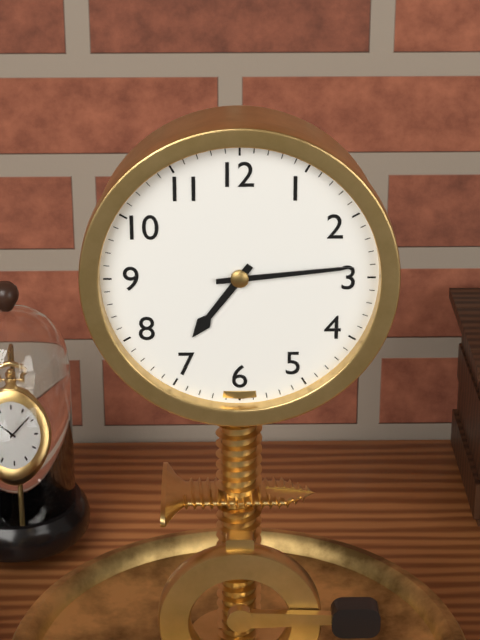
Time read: 7:14
